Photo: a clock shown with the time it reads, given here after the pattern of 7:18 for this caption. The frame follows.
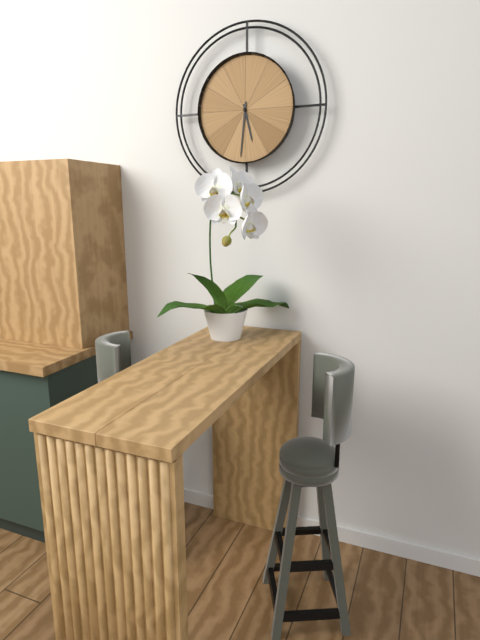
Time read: 5:31
